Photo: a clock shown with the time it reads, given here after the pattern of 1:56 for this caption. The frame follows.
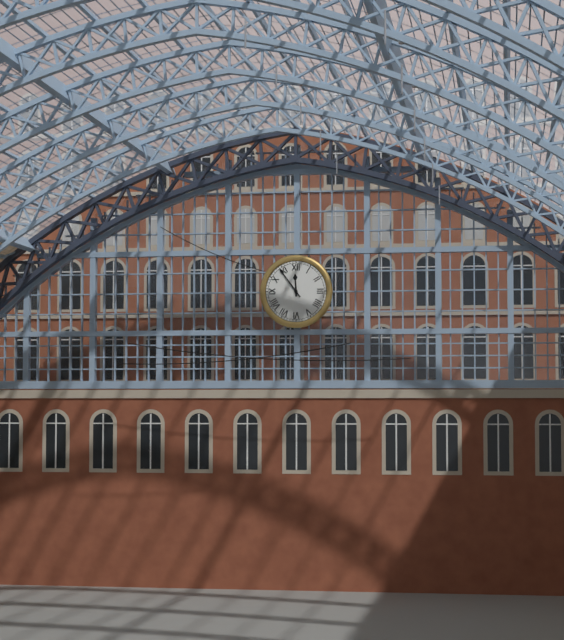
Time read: 11:54
